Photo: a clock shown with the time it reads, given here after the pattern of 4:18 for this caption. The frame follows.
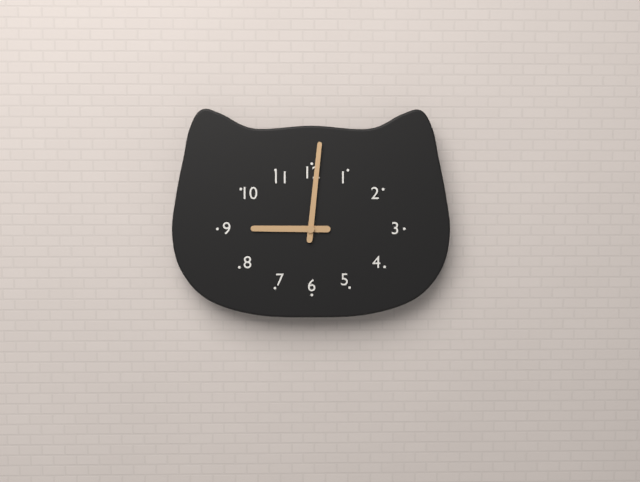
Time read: 9:01
